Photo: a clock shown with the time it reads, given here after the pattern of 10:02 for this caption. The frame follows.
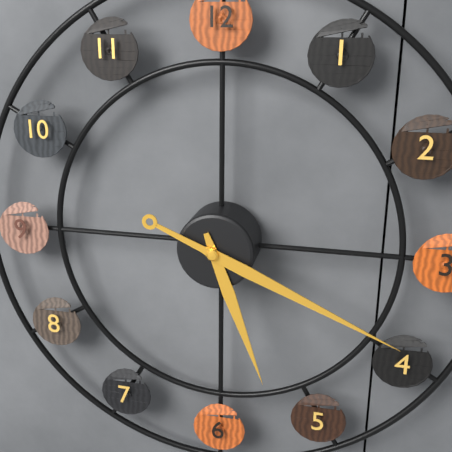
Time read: 5:19
